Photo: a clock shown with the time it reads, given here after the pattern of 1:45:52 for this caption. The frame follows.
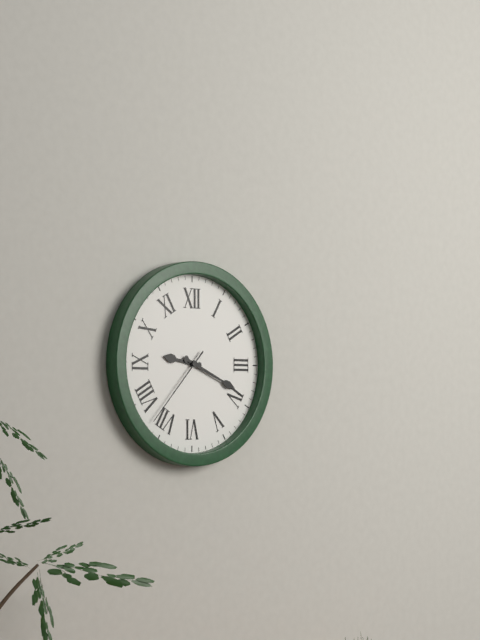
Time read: 9:19:37
